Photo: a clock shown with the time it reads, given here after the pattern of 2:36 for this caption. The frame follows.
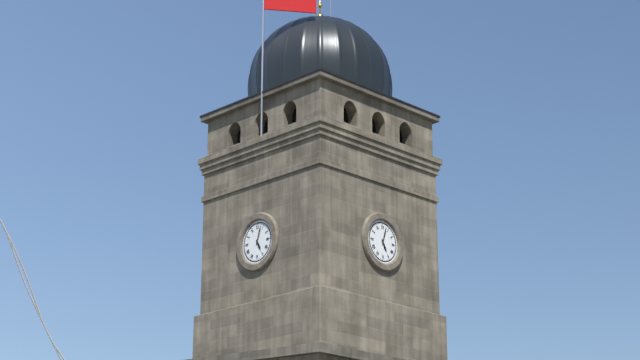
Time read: 5:03
